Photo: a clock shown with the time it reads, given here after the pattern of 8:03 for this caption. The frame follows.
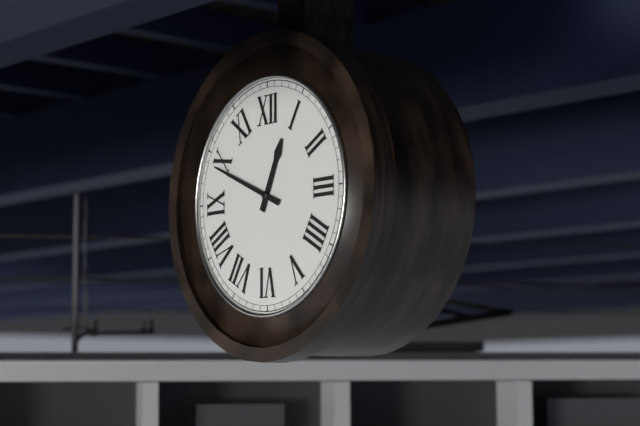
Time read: 12:49
